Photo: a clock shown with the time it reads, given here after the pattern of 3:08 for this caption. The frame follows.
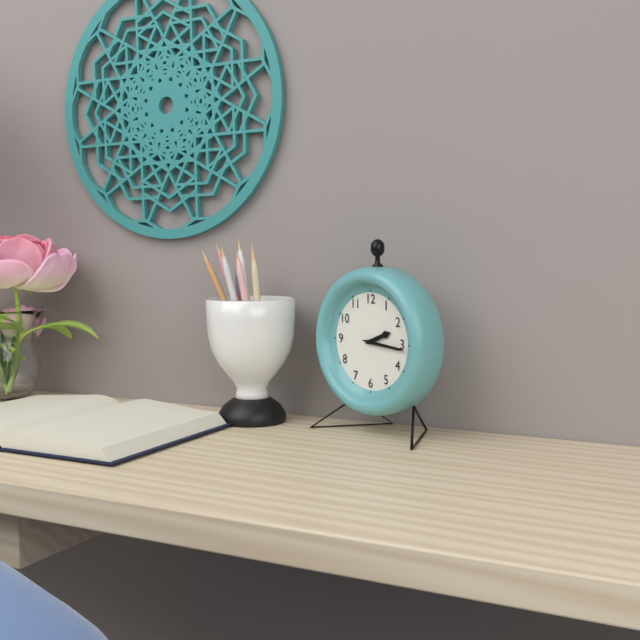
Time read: 2:16
